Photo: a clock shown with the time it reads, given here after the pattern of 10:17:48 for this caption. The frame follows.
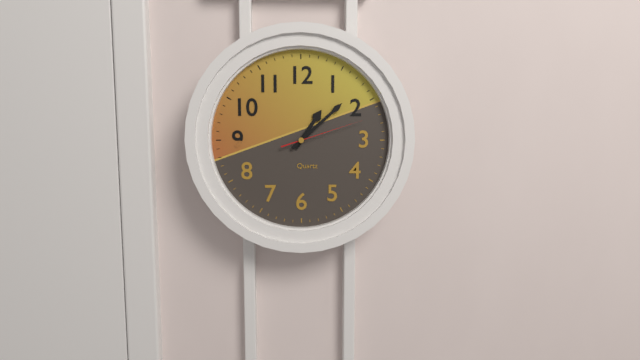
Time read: 1:08:12
